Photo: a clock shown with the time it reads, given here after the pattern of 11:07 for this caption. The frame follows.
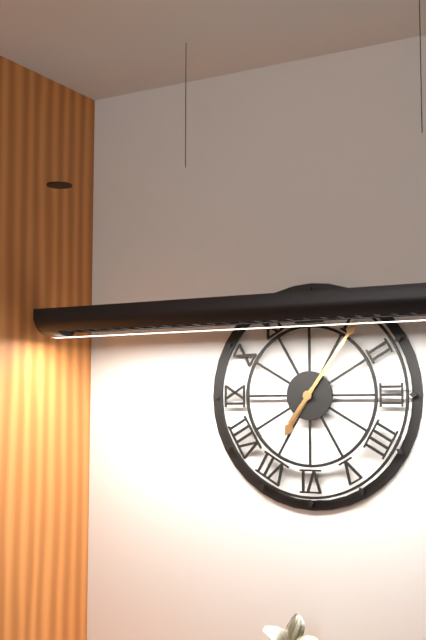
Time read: 7:06
